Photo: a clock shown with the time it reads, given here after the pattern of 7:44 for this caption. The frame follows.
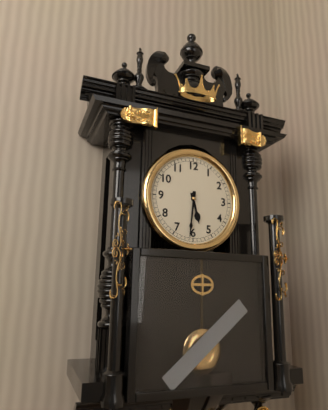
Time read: 5:31
